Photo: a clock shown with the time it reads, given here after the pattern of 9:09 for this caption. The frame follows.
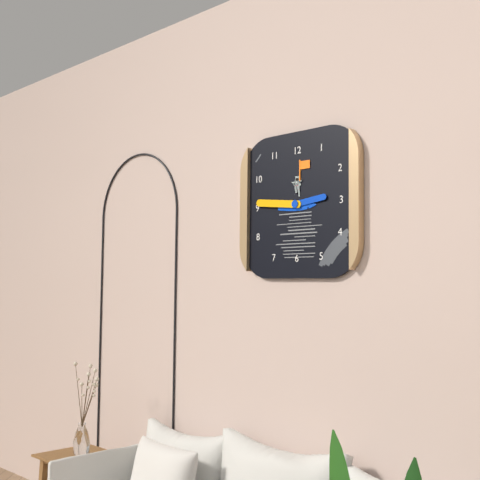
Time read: 2:46
